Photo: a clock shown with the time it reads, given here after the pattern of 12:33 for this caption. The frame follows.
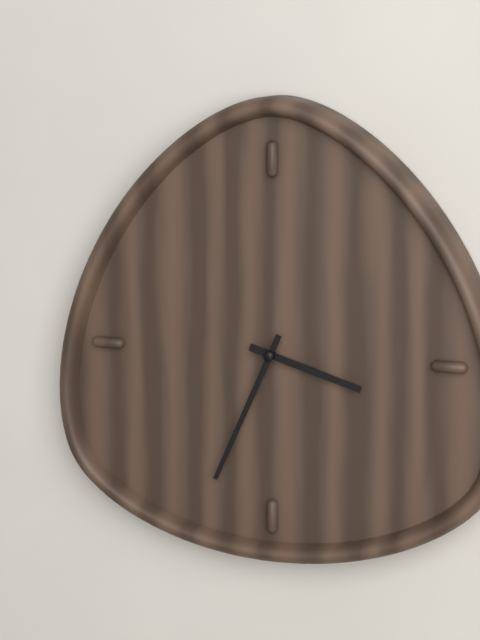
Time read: 3:34
